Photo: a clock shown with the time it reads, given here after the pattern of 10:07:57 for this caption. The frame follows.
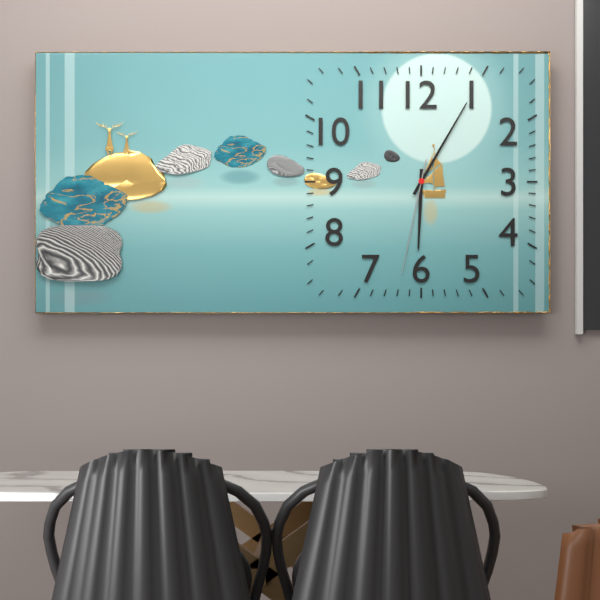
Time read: 6:05:32
